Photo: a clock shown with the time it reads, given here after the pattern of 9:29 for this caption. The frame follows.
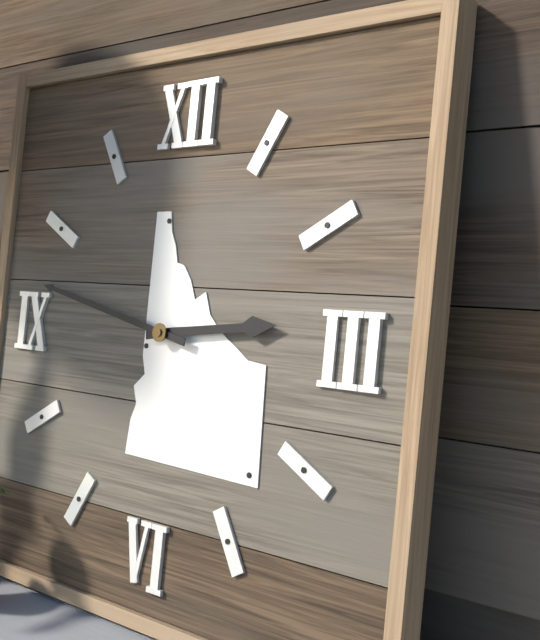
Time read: 2:47
